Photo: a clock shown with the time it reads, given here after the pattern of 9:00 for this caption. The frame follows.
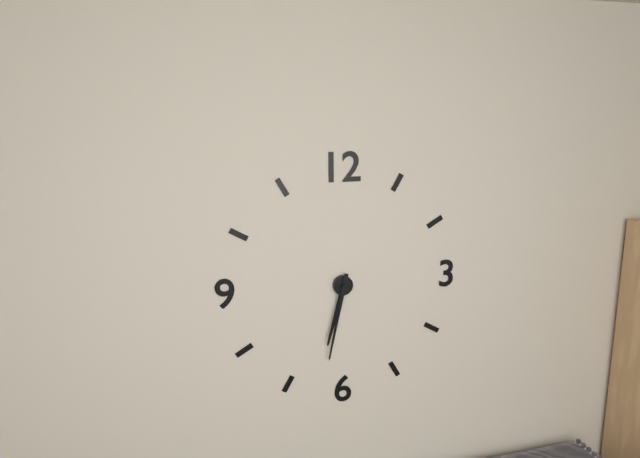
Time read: 6:32
